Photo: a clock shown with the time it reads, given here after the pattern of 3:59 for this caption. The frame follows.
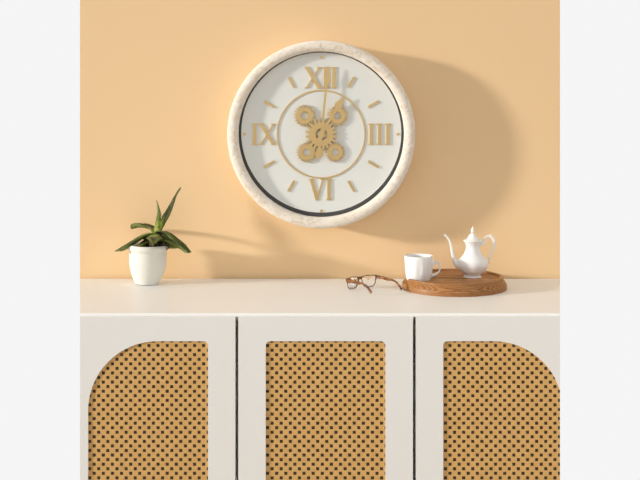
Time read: 1:01
